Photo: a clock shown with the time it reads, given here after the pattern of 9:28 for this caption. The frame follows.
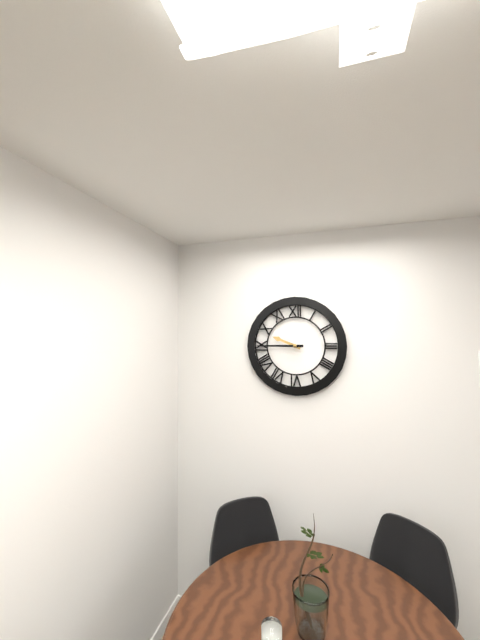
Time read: 9:45
